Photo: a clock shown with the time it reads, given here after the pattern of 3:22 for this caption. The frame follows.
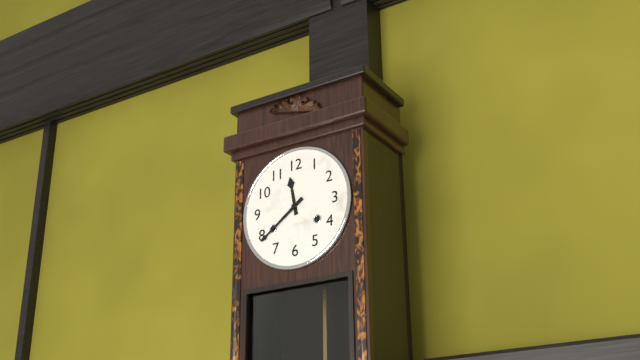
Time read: 11:39
